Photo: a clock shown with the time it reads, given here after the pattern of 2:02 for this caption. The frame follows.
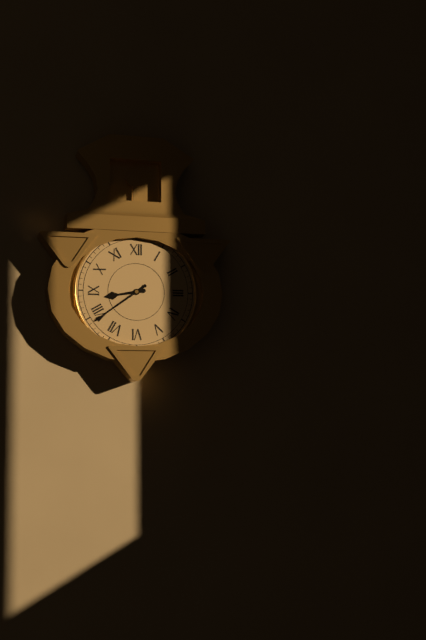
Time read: 8:39
